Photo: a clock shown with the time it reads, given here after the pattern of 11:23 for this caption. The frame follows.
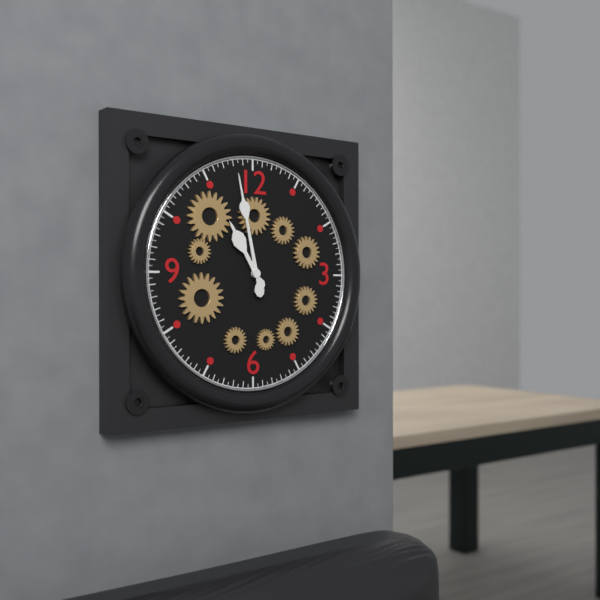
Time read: 10:58
